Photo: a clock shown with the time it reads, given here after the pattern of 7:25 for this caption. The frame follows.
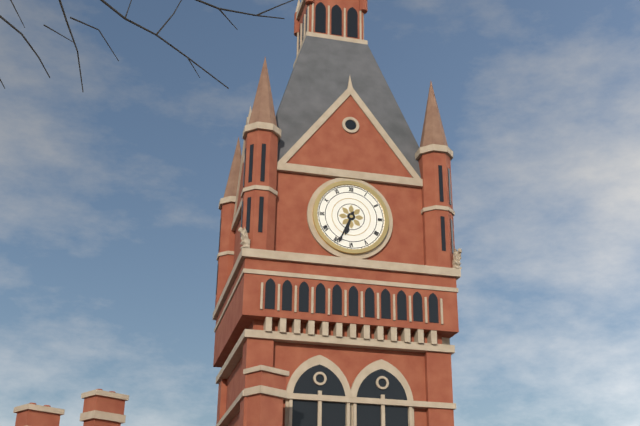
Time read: 6:34
